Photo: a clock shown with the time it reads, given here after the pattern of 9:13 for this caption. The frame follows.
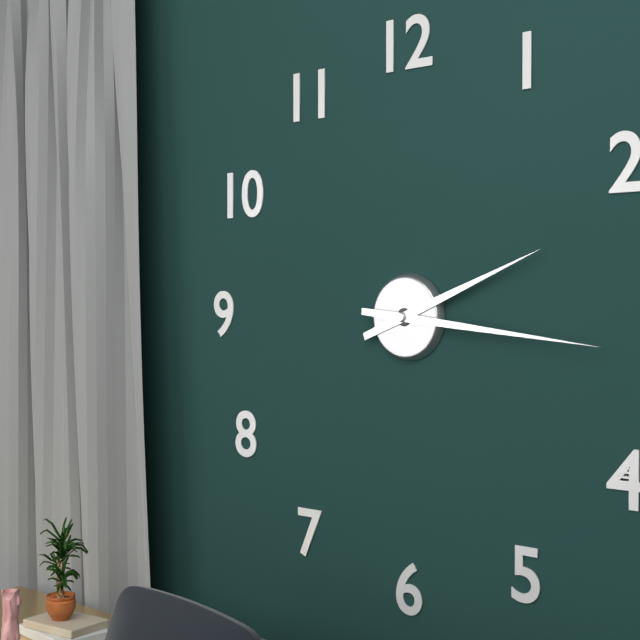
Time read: 2:16
